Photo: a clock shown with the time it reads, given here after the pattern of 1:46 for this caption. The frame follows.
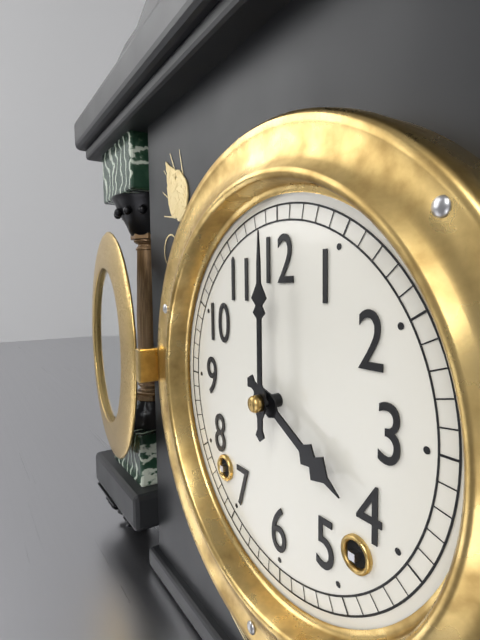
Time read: 4:00
